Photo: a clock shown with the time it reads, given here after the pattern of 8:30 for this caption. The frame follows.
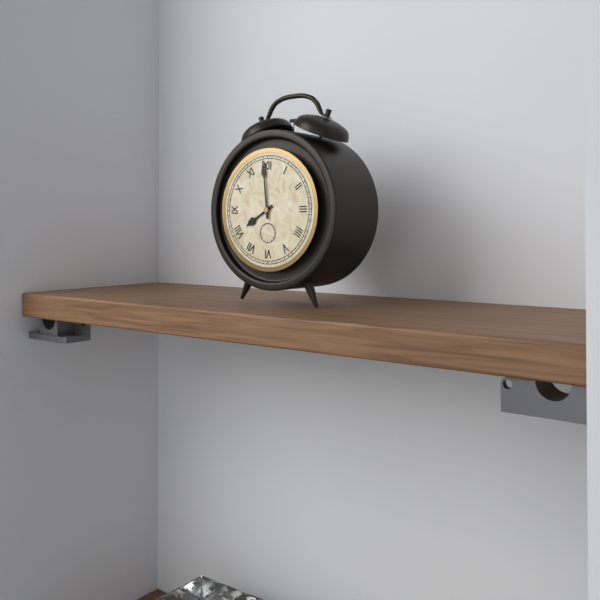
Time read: 7:59
